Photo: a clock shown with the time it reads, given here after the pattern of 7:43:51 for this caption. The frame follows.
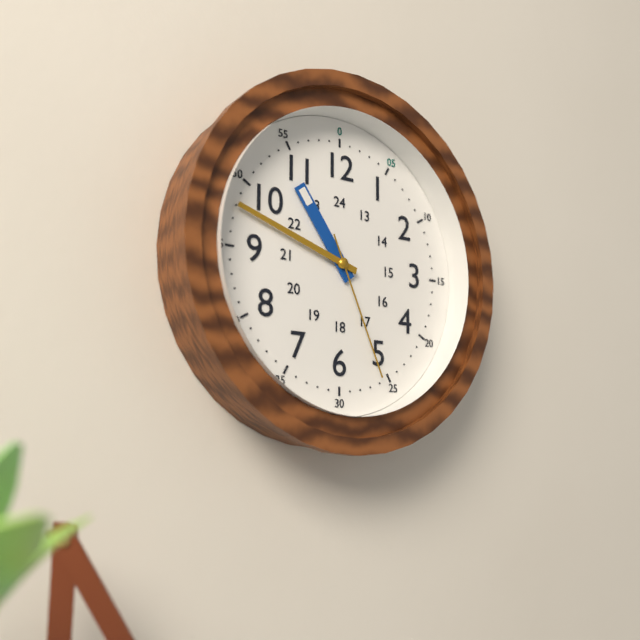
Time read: 10:48:26
